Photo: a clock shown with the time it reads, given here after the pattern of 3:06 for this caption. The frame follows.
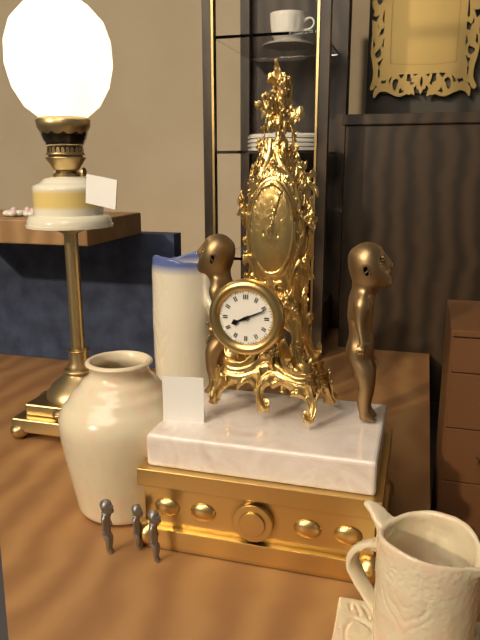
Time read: 8:11
